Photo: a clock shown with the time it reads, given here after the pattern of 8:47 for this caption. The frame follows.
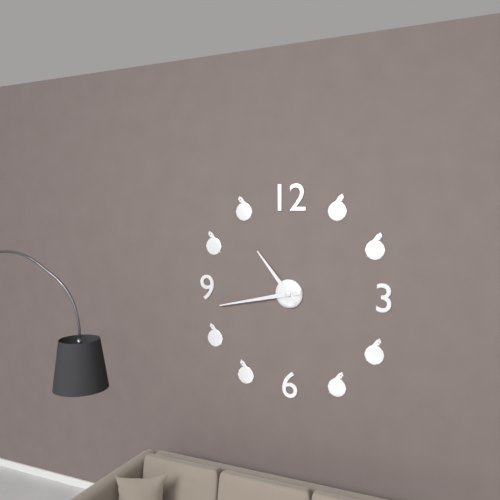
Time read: 10:43
